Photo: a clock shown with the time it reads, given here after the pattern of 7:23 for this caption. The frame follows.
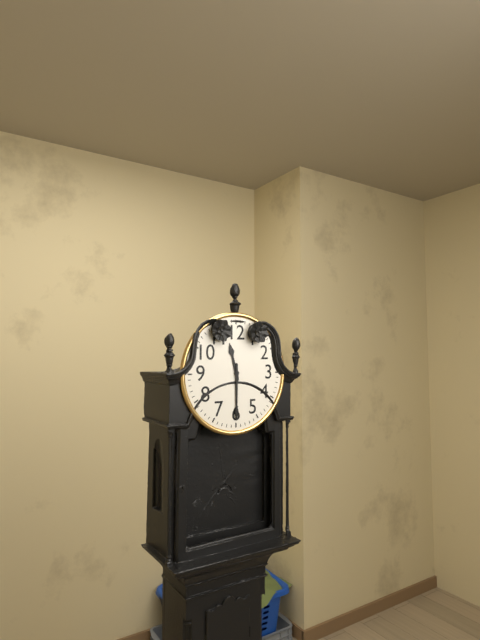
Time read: 11:30
